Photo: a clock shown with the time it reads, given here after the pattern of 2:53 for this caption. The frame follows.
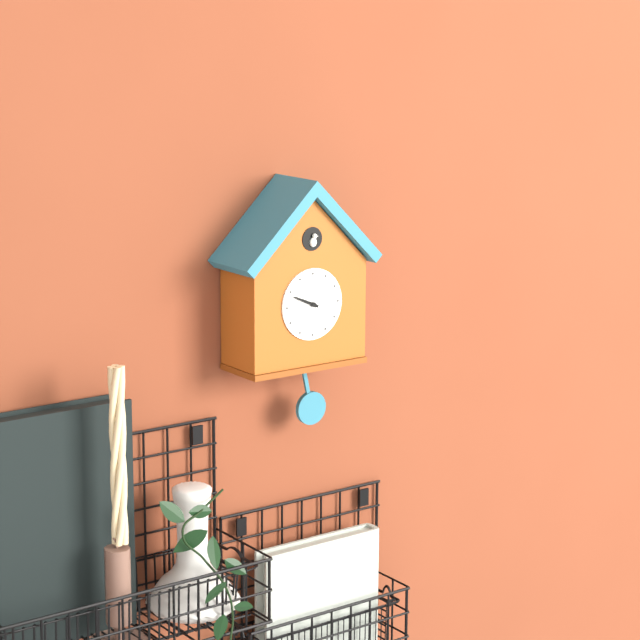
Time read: 9:49
